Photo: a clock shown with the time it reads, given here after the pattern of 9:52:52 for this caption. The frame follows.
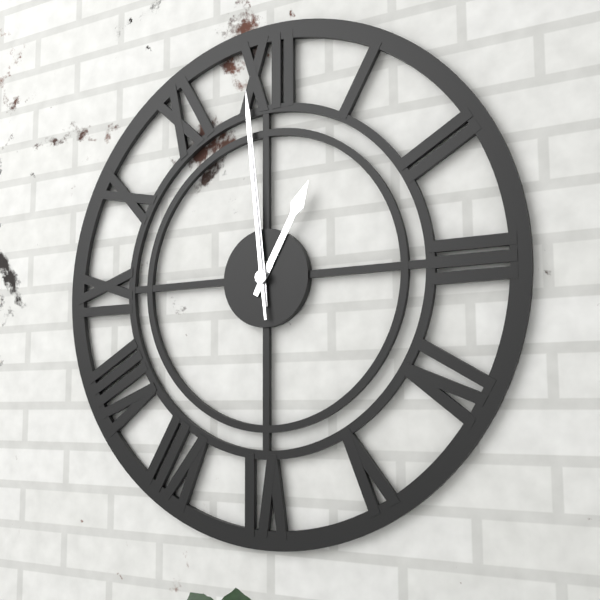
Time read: 12:59:59
